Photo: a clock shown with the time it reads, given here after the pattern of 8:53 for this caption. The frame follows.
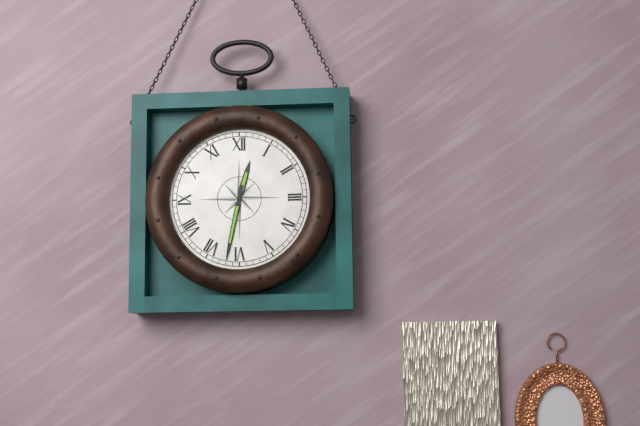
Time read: 12:32
